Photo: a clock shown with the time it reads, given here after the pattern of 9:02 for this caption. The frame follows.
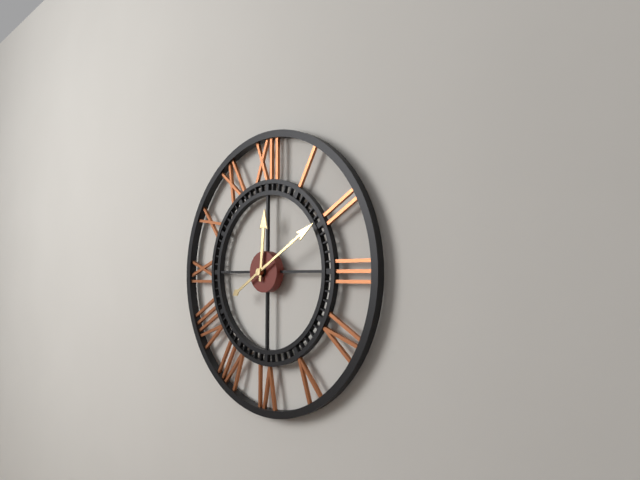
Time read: 12:10
